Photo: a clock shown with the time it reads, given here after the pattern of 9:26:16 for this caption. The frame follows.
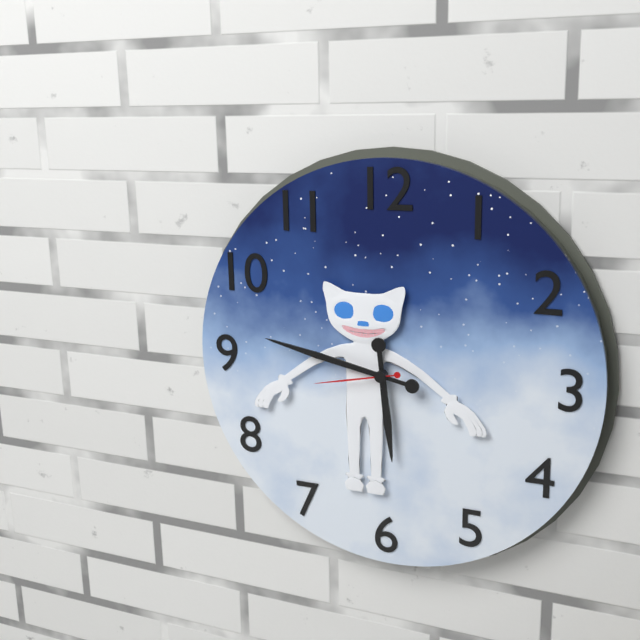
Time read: 5:47:43
